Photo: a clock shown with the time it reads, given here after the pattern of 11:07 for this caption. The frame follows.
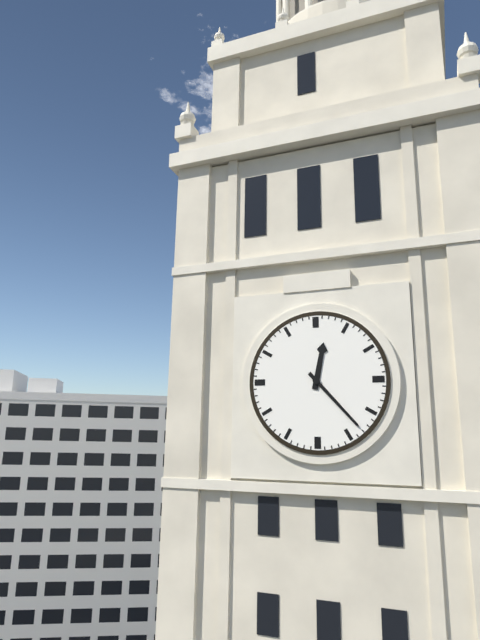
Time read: 12:23
